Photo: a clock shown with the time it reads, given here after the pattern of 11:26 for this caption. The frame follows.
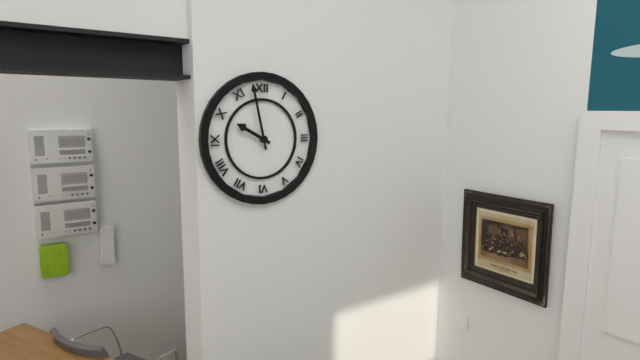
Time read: 9:58
